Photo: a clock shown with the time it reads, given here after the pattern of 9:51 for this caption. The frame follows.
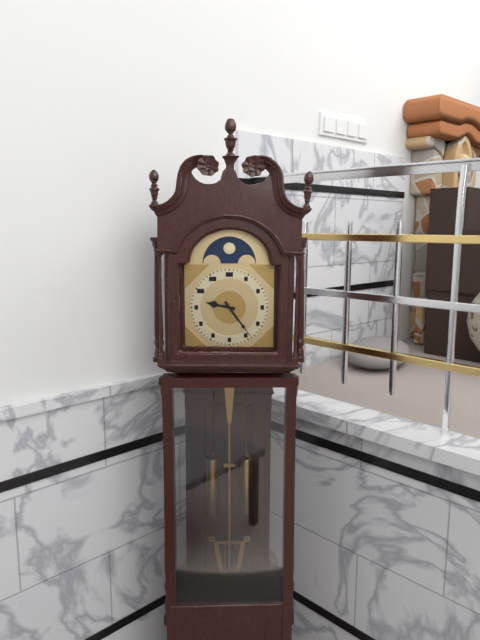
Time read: 9:24
